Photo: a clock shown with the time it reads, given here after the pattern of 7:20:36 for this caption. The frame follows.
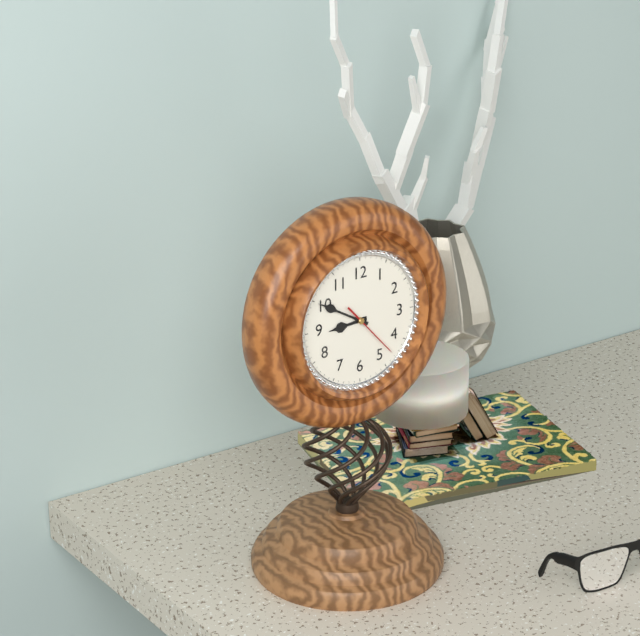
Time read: 8:50:23
